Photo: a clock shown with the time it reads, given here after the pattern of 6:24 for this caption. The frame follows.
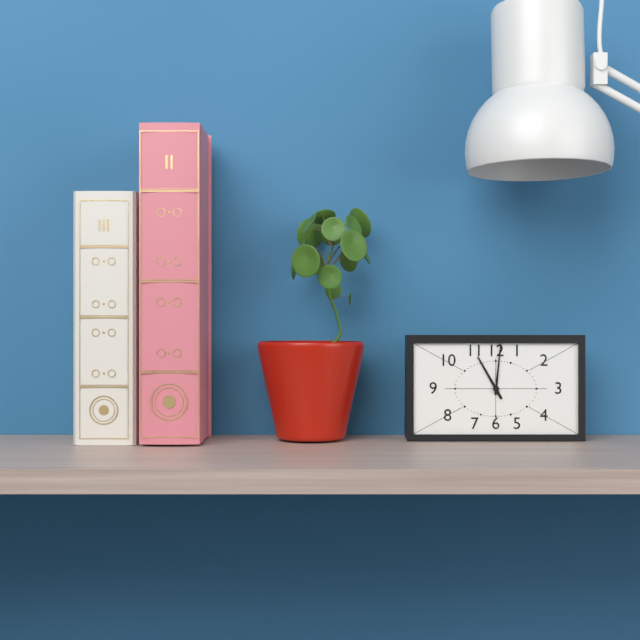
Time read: 11:01
